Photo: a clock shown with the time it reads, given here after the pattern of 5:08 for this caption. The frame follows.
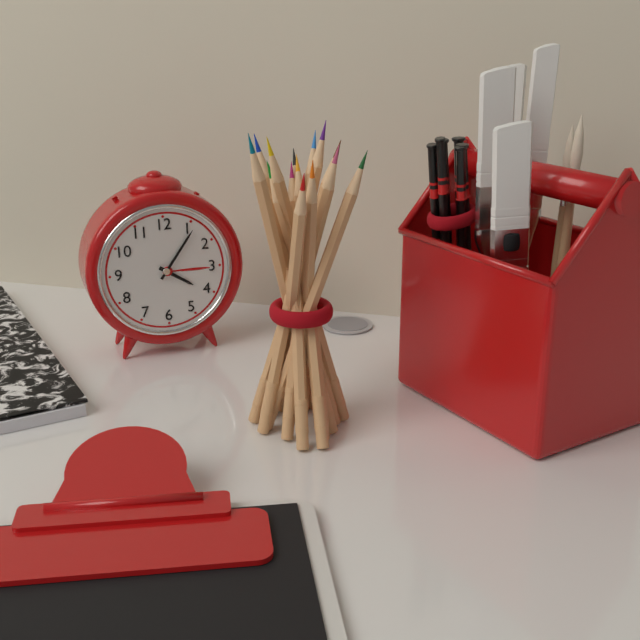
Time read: 4:06
